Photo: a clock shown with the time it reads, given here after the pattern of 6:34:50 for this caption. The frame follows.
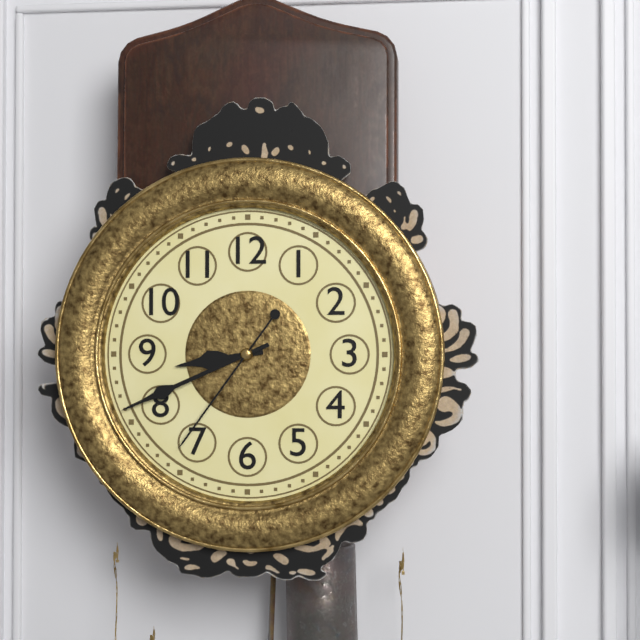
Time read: 8:41:36
